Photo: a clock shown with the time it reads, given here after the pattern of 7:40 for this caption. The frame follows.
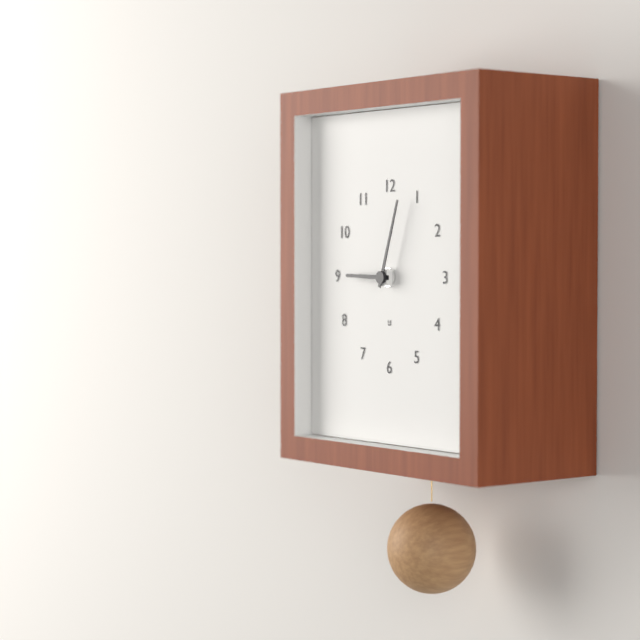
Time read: 9:03
